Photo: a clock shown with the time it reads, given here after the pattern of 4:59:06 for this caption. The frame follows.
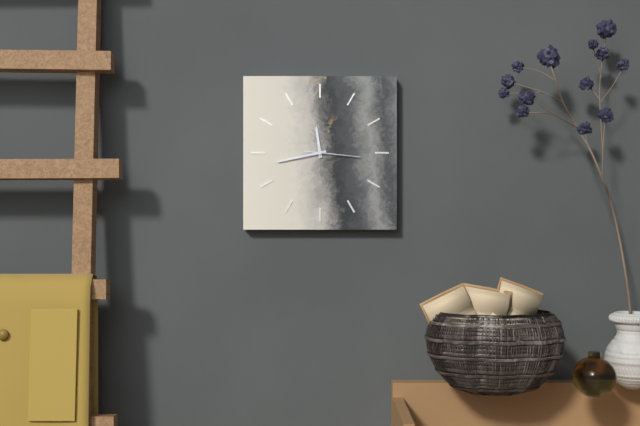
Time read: 11:43:16
